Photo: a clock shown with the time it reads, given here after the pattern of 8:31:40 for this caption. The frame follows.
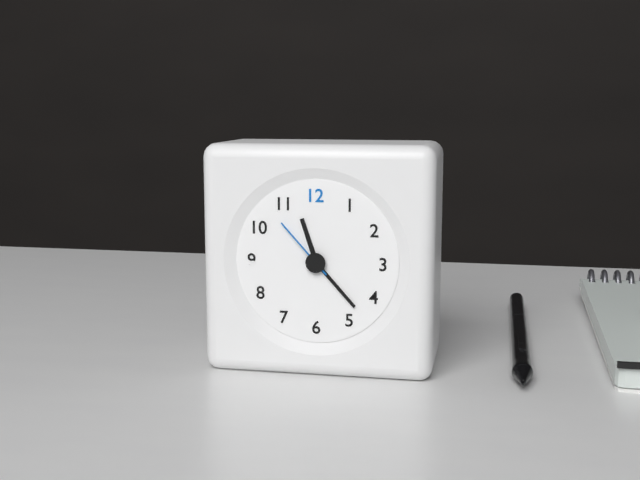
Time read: 11:23:53
